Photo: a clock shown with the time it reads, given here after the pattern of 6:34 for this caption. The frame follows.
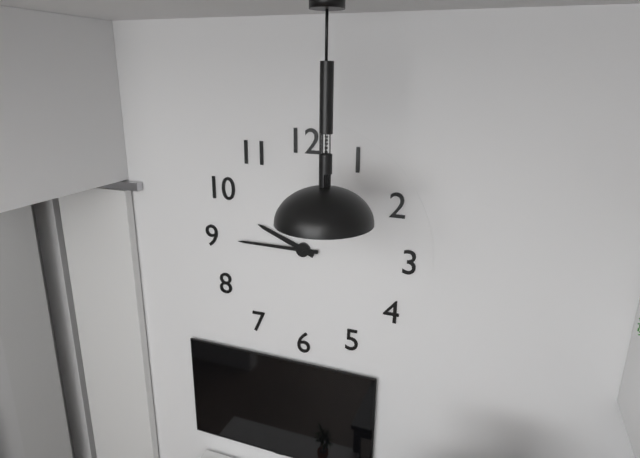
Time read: 9:45
